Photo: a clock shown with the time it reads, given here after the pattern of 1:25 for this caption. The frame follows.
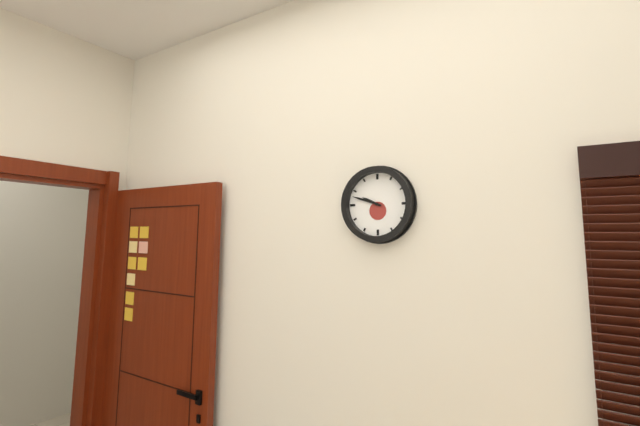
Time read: 9:48
